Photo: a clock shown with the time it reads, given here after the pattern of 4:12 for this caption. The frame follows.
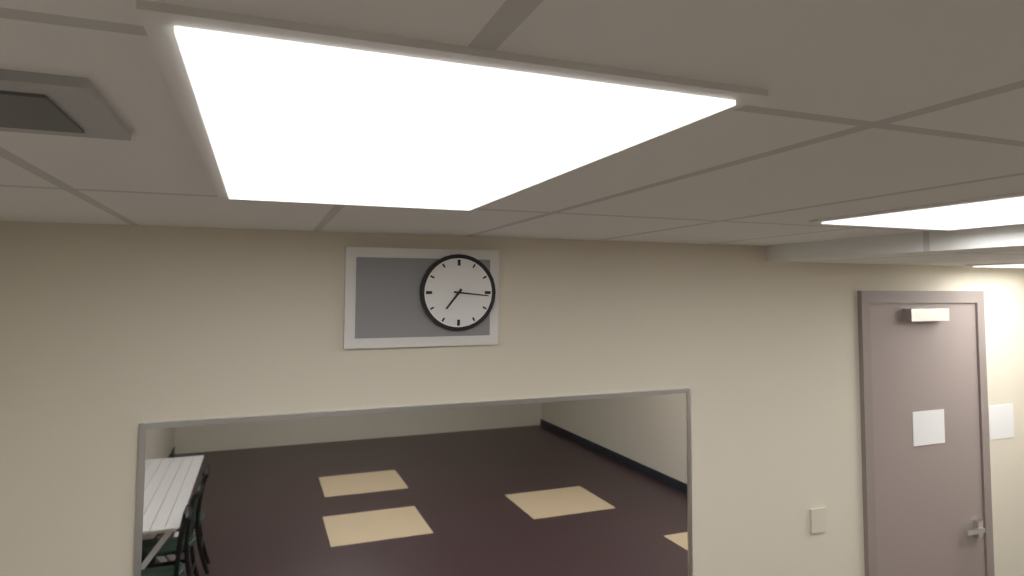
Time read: 7:16
